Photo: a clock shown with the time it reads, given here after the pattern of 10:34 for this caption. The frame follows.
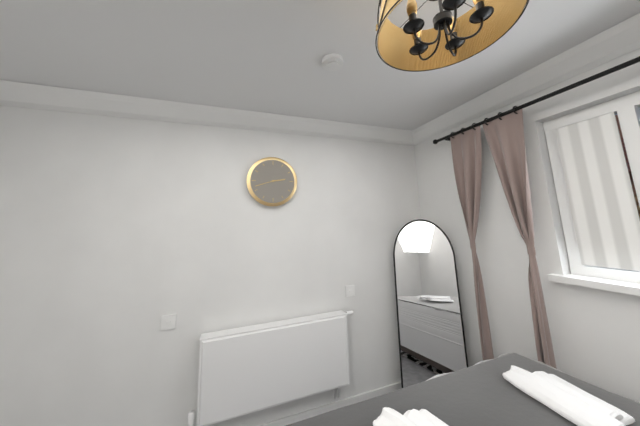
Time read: 2:42
